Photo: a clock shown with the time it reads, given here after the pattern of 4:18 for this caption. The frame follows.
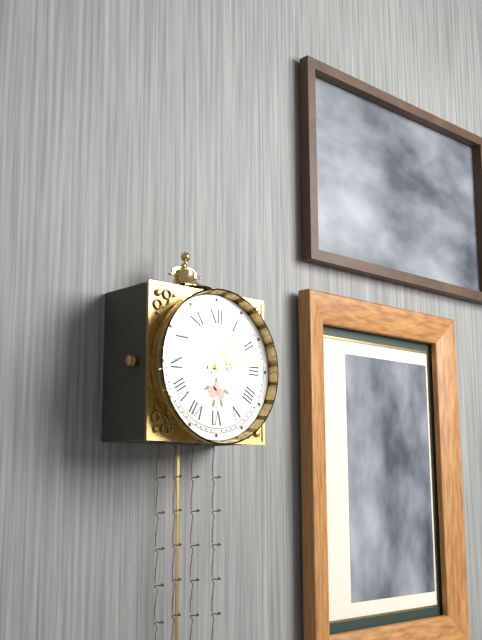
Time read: 1:14
